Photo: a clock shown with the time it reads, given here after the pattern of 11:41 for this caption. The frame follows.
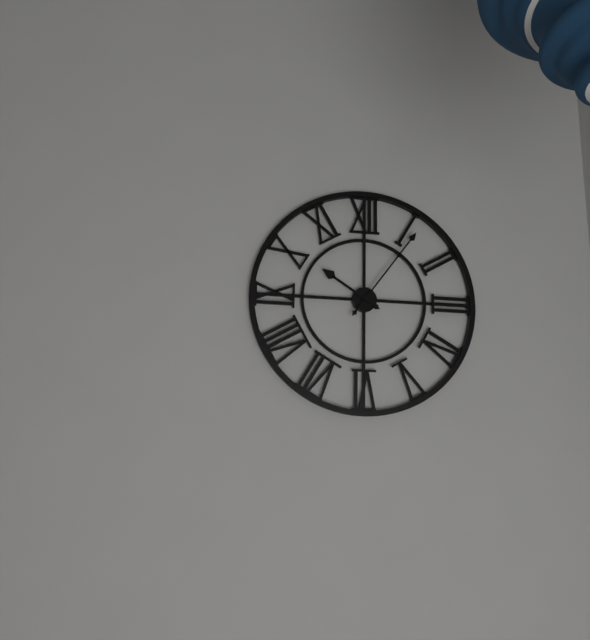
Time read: 10:06
